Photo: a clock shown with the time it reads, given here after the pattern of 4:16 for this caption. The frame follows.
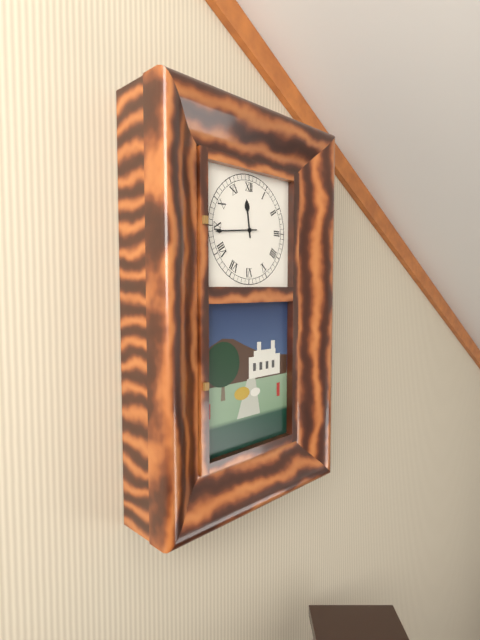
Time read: 11:44
